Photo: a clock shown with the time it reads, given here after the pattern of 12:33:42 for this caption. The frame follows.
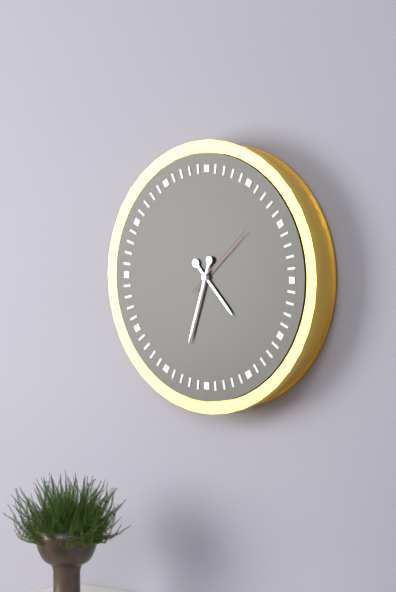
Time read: 4:33:08
